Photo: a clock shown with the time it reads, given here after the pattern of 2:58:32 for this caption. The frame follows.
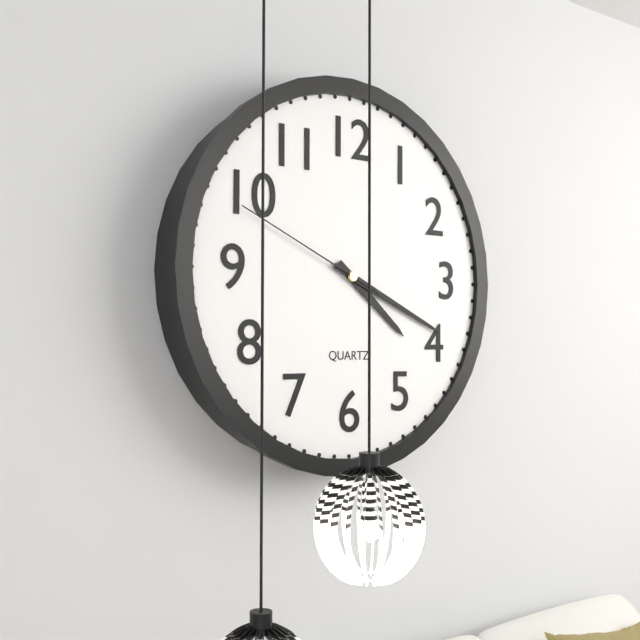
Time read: 4:19:49
